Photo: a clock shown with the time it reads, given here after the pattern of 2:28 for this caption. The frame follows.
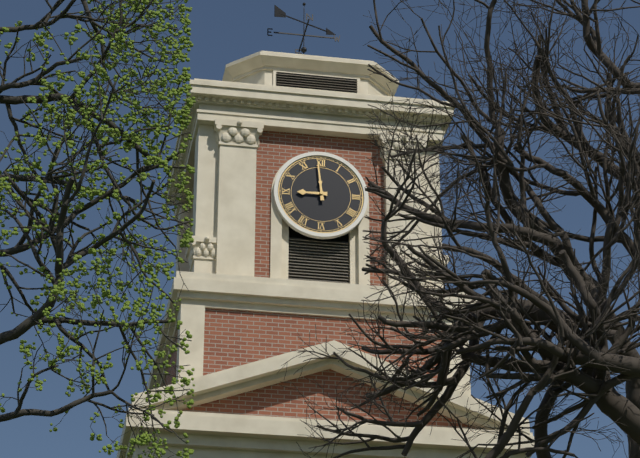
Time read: 8:59
